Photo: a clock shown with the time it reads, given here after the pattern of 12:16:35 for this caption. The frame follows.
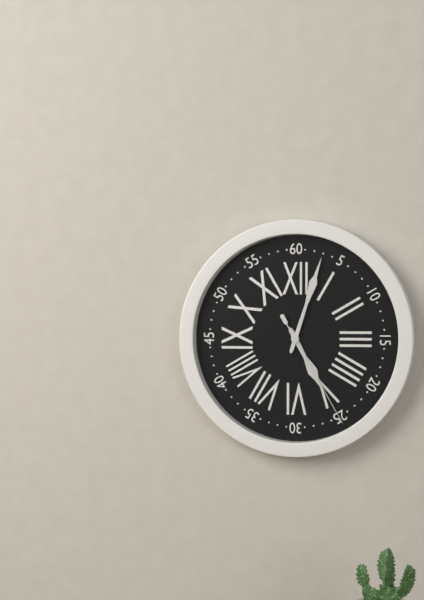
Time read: 5:03:25
